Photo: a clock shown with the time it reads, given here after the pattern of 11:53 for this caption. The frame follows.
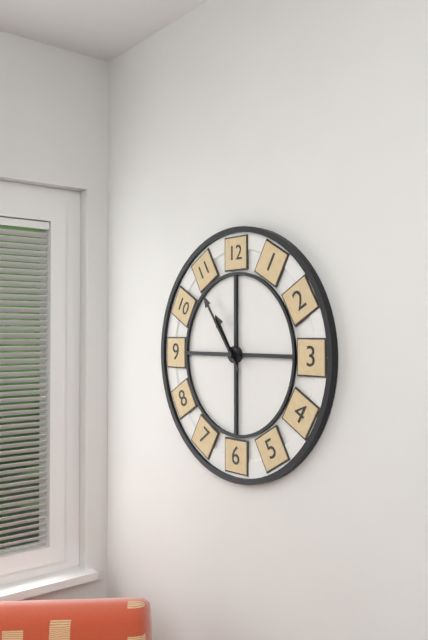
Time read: 10:54
